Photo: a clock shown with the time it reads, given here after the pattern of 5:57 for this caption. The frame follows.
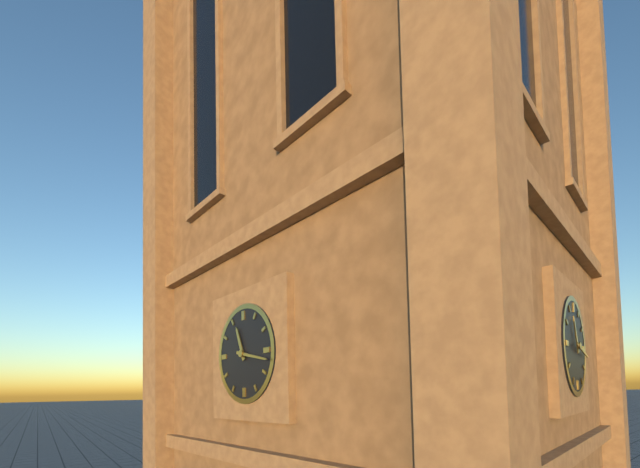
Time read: 11:17
